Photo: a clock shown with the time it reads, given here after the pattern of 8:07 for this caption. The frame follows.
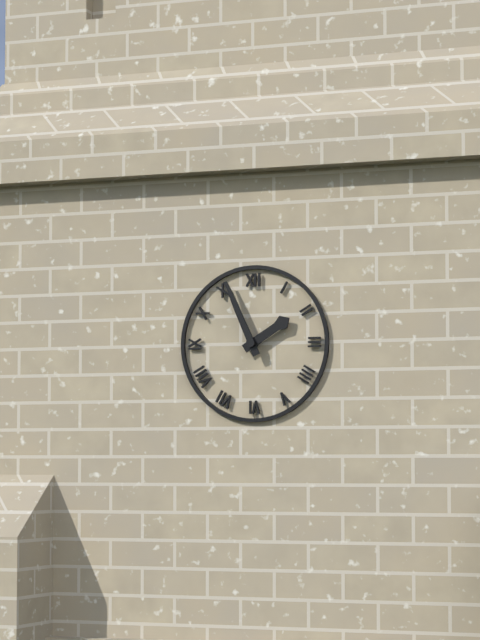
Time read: 1:56
